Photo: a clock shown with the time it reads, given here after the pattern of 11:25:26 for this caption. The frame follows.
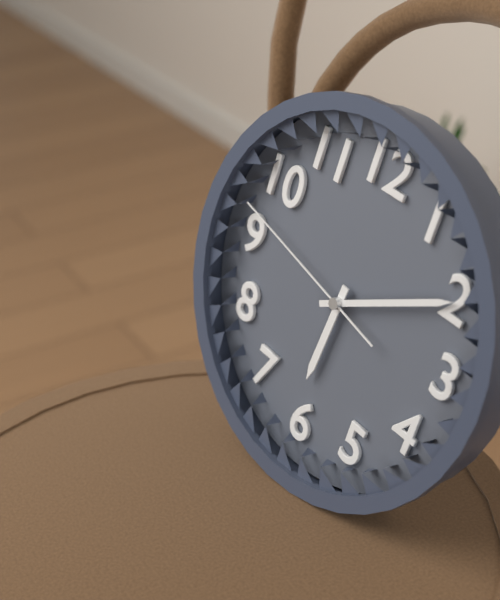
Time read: 6:10:47
